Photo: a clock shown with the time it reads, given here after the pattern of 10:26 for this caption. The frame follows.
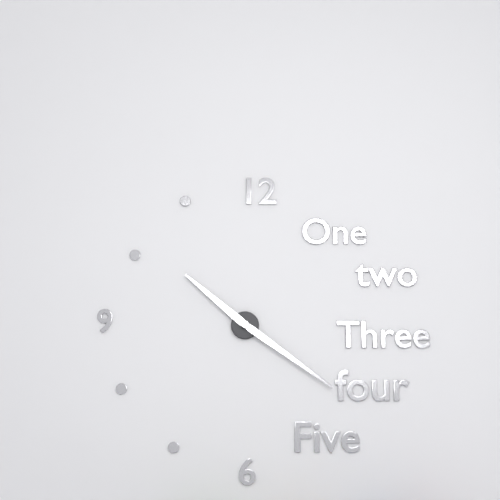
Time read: 10:21
